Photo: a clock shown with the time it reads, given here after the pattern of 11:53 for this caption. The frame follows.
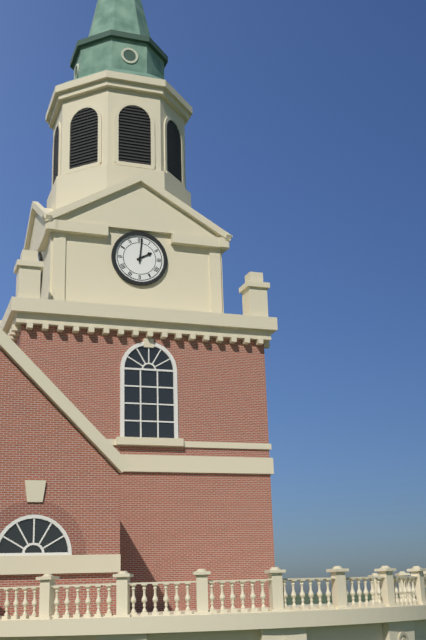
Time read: 2:01
